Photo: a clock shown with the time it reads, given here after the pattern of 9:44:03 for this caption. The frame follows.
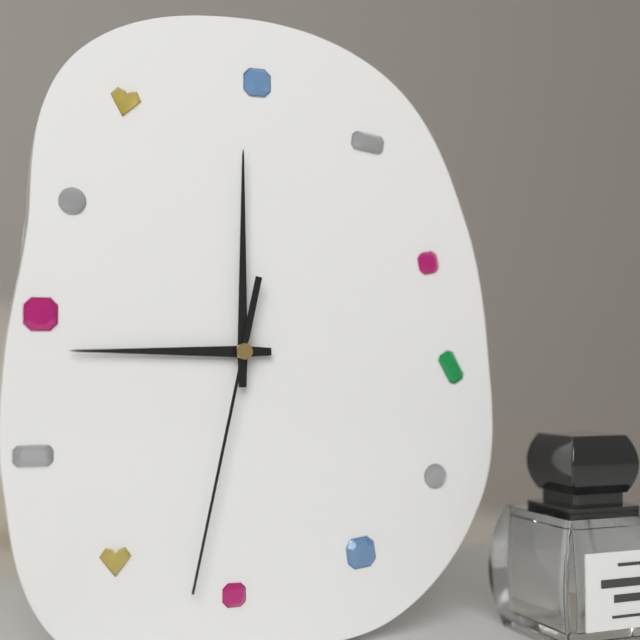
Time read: 9:00:32
